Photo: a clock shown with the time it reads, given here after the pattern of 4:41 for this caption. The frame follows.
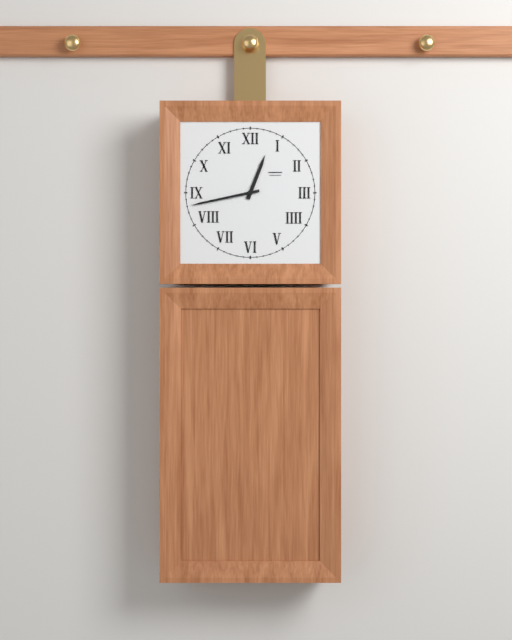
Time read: 12:43
